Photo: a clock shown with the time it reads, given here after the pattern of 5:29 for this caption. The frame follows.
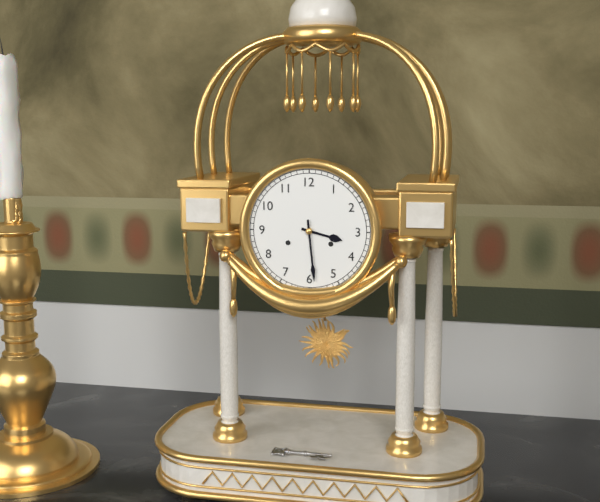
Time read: 3:29
